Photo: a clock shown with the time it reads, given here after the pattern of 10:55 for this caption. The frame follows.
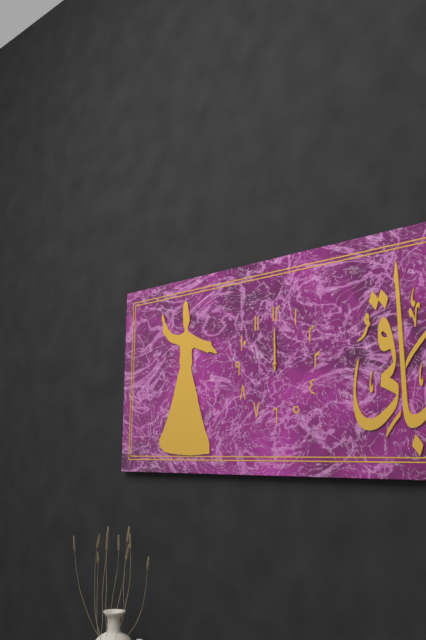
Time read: 12:00
